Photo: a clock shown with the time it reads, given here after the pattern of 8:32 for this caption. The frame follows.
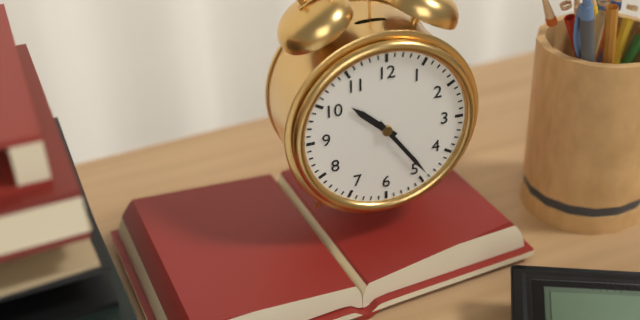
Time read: 10:24
